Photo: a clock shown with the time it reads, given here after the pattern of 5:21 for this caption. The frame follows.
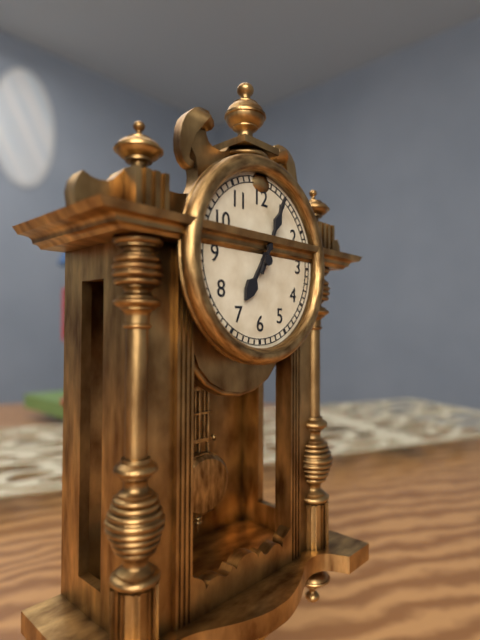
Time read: 7:04
